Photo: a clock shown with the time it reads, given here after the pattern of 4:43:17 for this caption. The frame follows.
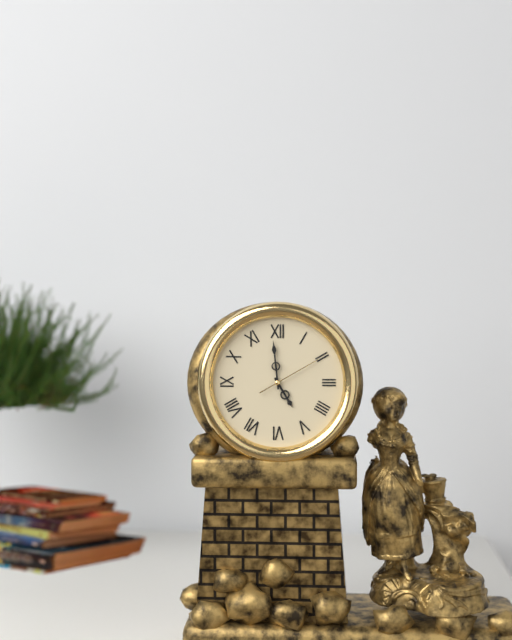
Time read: 4:59:10
